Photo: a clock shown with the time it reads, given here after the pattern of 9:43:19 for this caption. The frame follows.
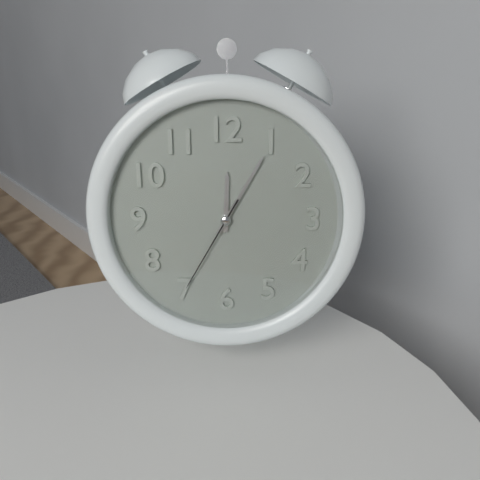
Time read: 12:05:35
